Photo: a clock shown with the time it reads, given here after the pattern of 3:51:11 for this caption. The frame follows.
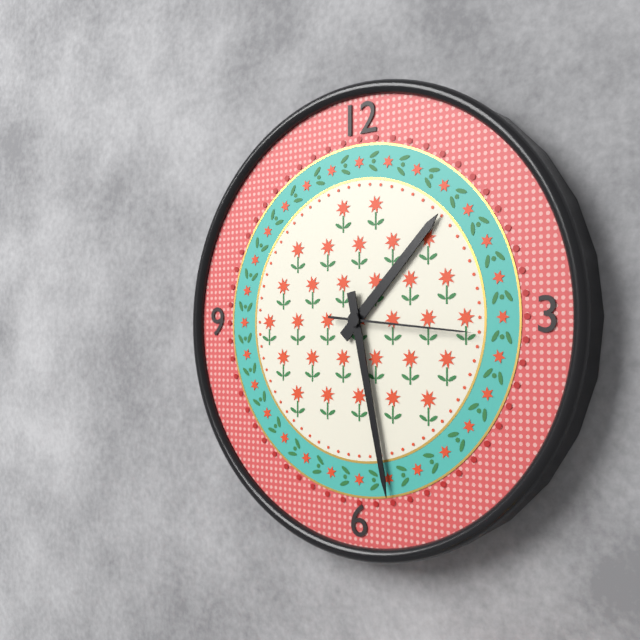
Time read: 1:28:16
